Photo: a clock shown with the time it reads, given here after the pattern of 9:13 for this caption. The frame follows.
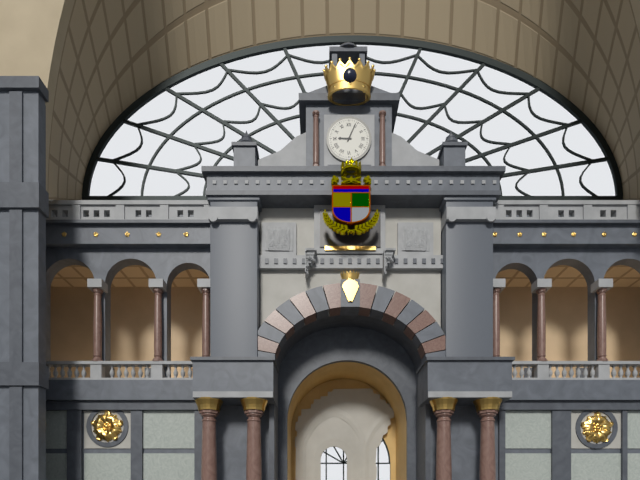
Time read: 9:04
